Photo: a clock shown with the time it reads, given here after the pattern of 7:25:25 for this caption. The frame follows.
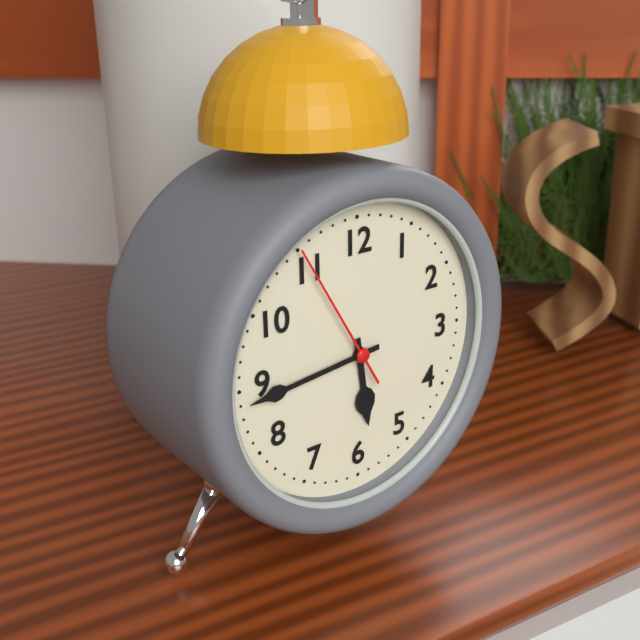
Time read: 5:44:55
